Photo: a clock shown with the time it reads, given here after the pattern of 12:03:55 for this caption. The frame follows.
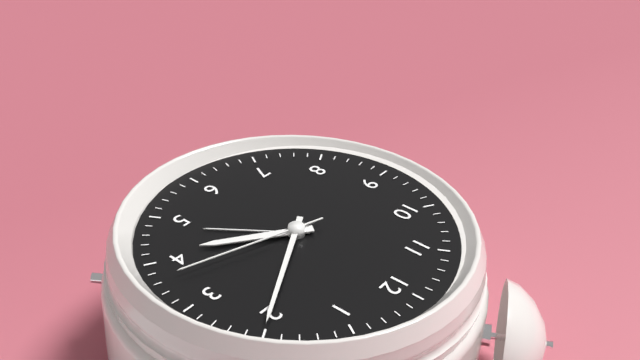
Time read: 4:10:18
